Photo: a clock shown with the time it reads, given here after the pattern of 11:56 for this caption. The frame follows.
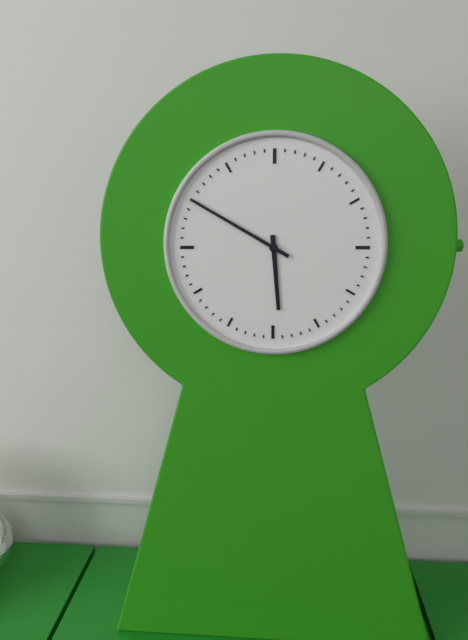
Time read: 5:50
